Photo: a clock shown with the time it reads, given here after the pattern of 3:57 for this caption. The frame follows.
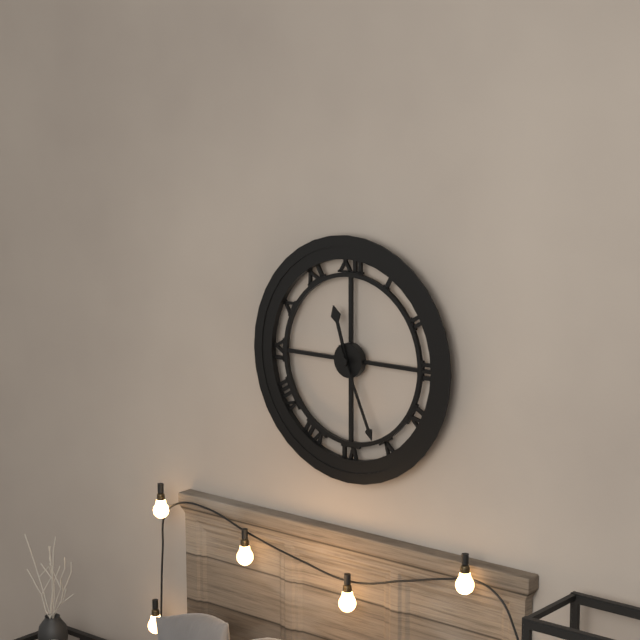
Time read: 11:26
